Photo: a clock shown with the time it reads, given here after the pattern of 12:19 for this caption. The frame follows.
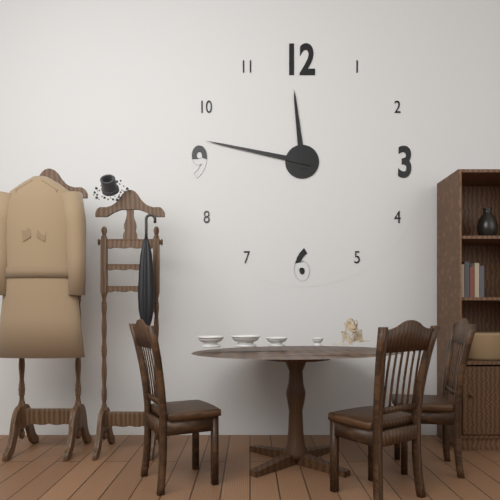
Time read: 11:47
